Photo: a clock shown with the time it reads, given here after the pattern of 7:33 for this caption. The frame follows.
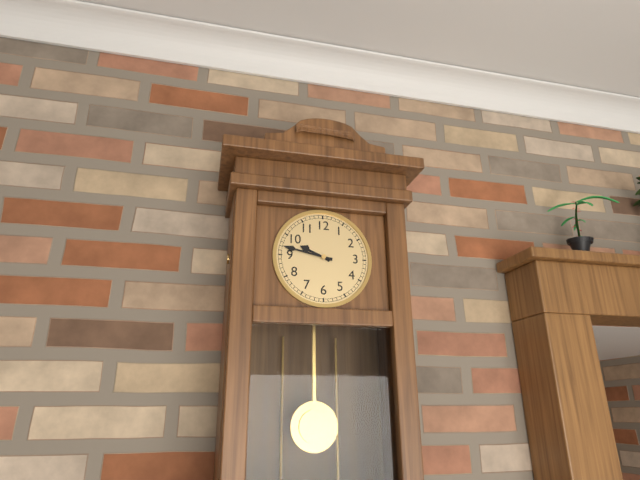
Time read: 9:47
